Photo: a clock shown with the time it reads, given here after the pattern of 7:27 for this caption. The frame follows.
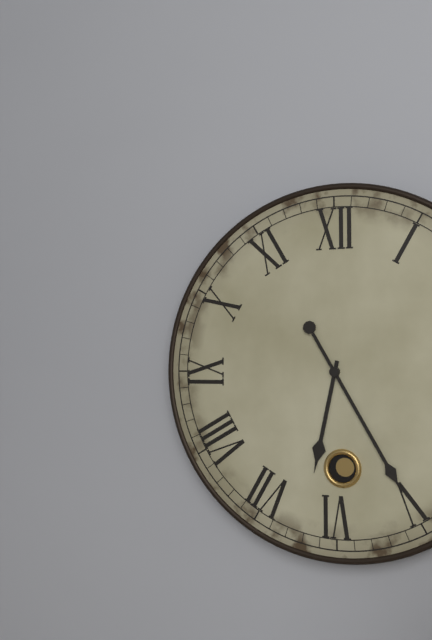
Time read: 6:25
